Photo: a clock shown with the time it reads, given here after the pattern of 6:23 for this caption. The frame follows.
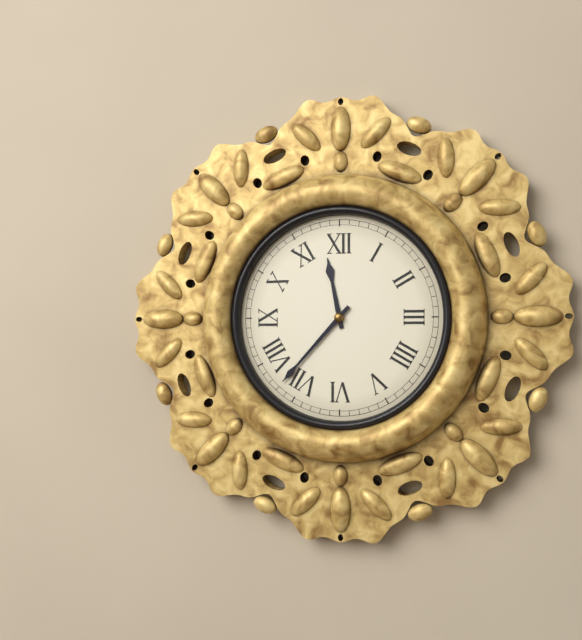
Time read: 11:37
